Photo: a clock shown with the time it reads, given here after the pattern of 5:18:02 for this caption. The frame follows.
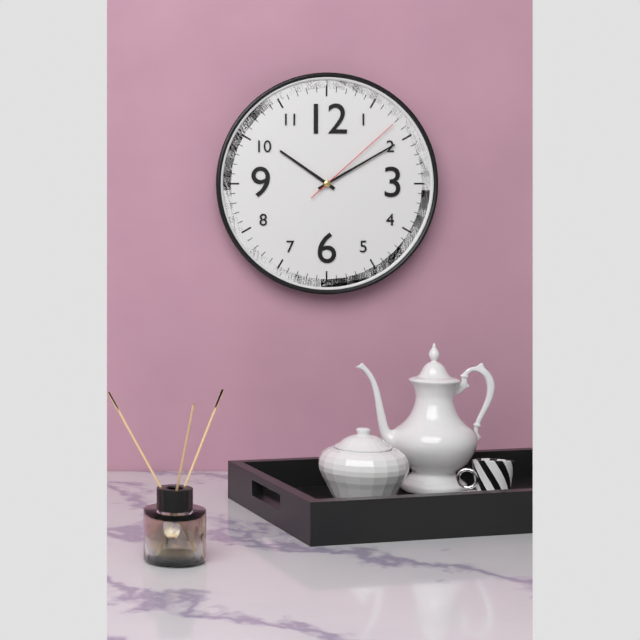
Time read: 10:10:08
